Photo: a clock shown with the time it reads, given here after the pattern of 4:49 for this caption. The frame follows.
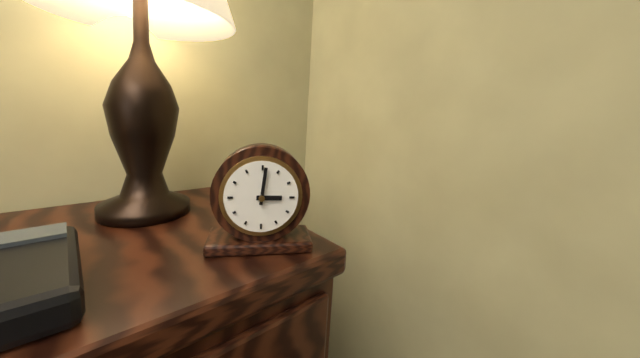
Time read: 3:01
